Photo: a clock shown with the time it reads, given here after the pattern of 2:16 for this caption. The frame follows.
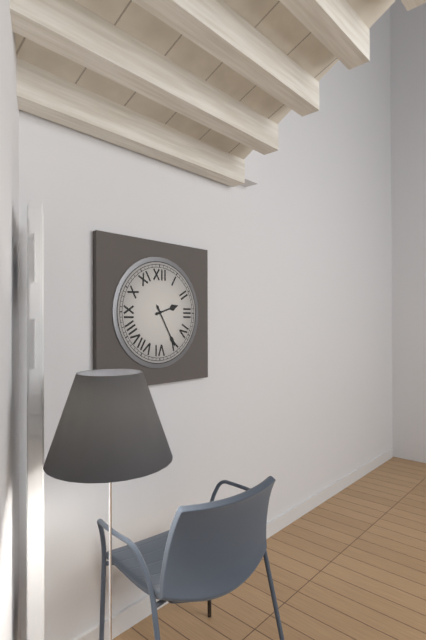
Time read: 2:25
